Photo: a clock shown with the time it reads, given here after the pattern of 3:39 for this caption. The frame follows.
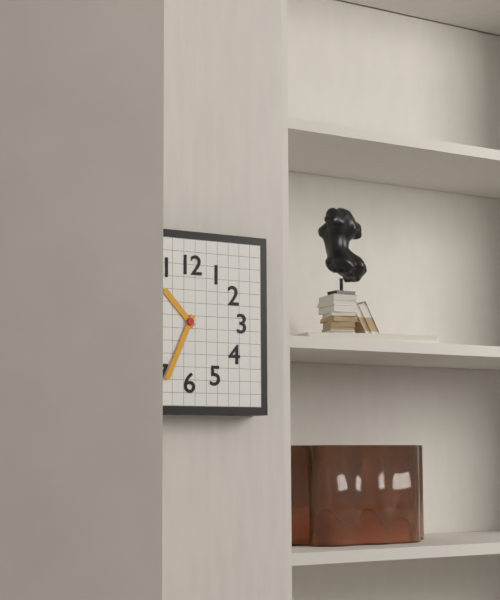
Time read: 10:34
